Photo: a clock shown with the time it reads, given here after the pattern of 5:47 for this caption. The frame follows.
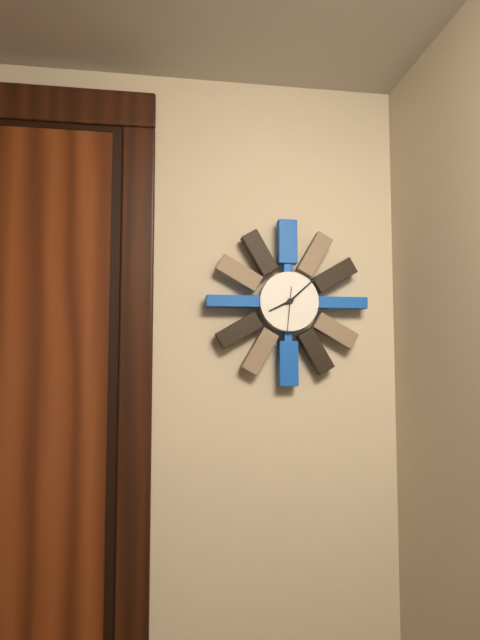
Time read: 8:08
